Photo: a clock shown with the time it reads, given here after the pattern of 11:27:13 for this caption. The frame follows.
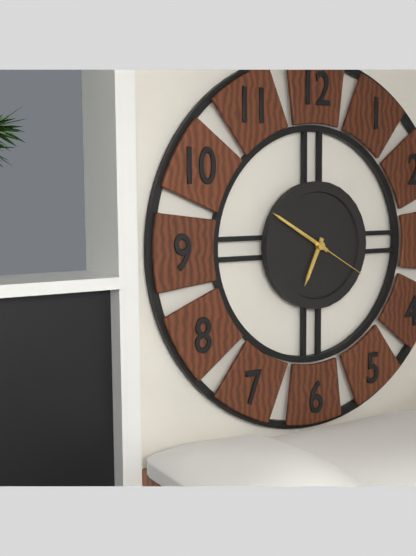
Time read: 6:50:20
